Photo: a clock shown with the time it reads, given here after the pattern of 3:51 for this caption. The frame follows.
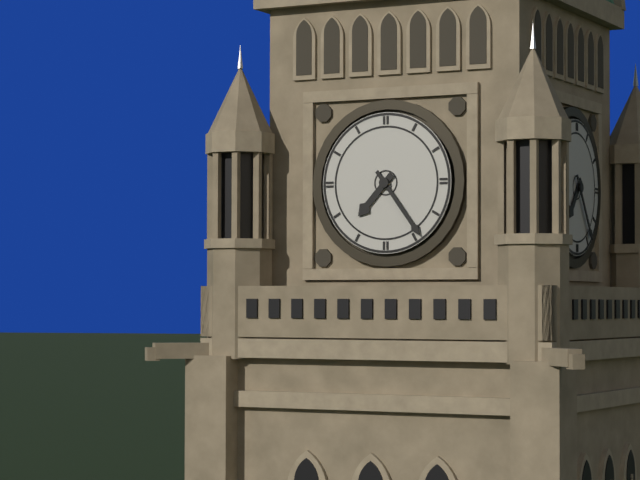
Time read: 7:24
